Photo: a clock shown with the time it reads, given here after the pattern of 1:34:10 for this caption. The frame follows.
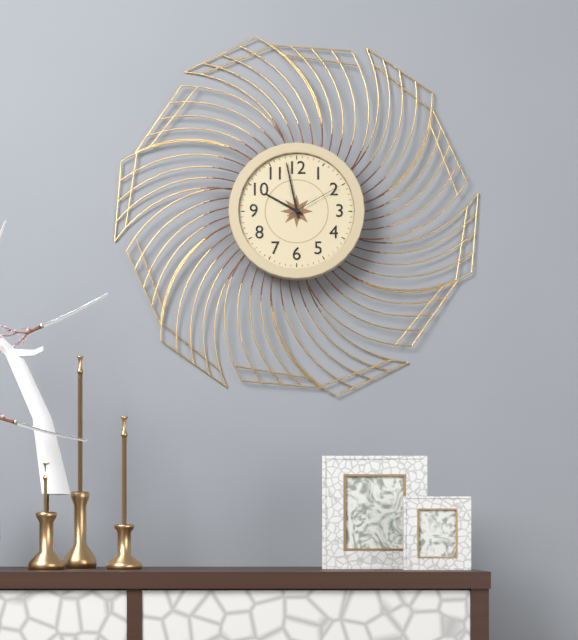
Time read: 9:58:10
